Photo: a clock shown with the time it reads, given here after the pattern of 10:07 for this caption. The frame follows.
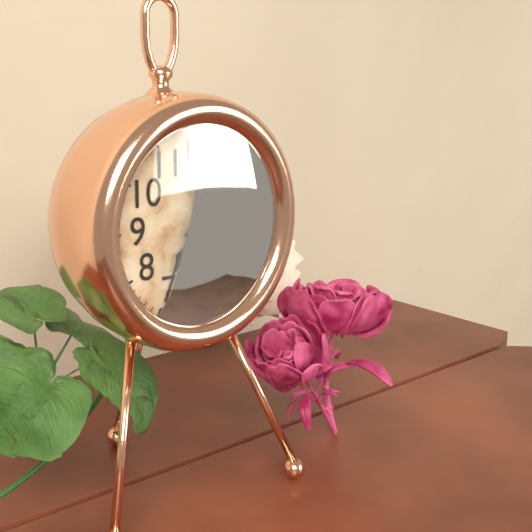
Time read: 7:10
